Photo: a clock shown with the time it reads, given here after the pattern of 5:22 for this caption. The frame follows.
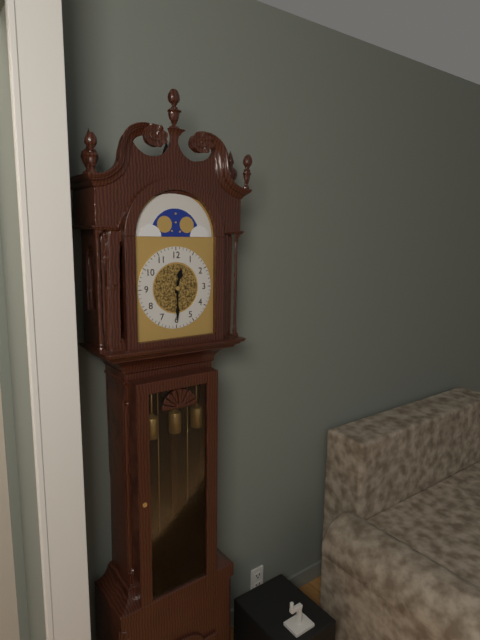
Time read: 12:30
